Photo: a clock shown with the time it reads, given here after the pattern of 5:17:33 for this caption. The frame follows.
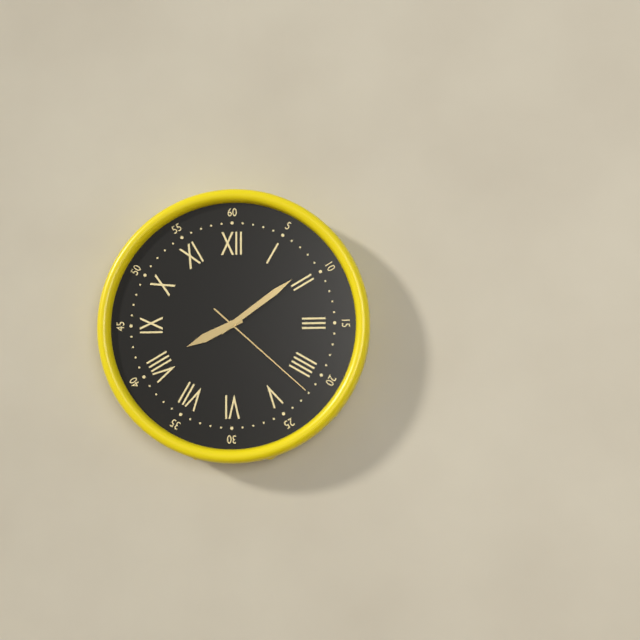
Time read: 8:09:22
